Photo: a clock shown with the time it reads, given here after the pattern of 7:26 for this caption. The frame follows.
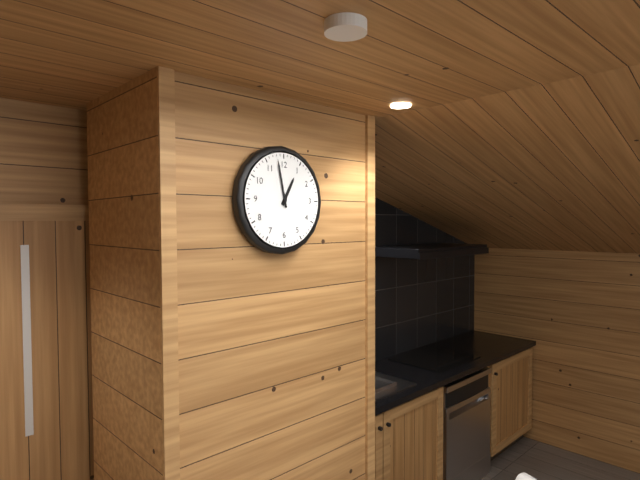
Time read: 12:58
